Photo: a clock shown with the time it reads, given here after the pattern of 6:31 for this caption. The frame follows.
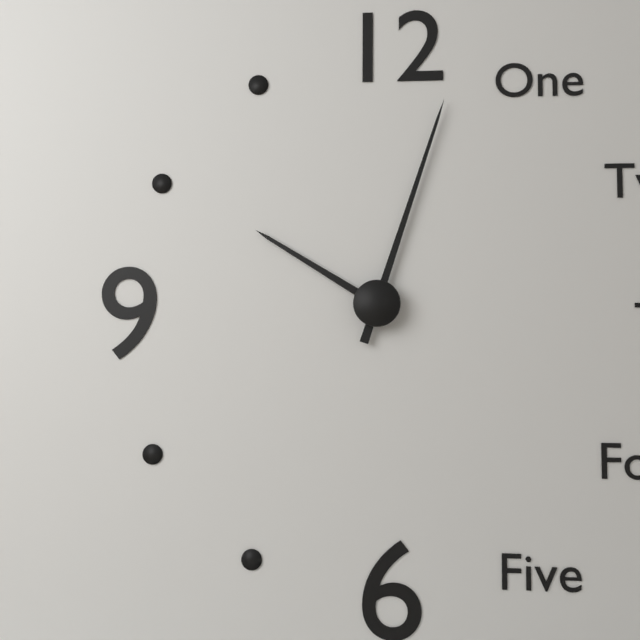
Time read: 10:03
